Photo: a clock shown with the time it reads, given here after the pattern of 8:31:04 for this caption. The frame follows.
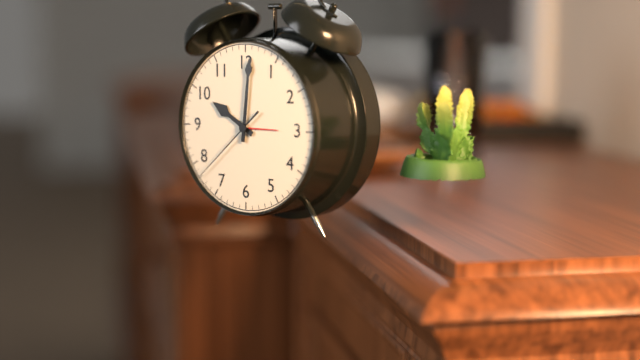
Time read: 10:01:38
